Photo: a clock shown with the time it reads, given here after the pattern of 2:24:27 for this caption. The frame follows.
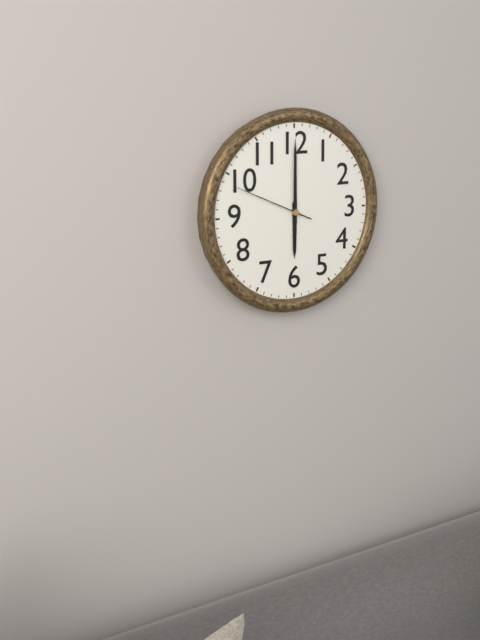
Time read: 6:00:49
